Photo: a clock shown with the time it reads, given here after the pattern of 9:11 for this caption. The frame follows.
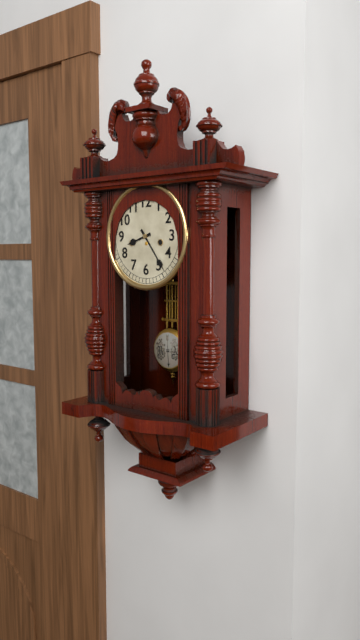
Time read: 8:24
